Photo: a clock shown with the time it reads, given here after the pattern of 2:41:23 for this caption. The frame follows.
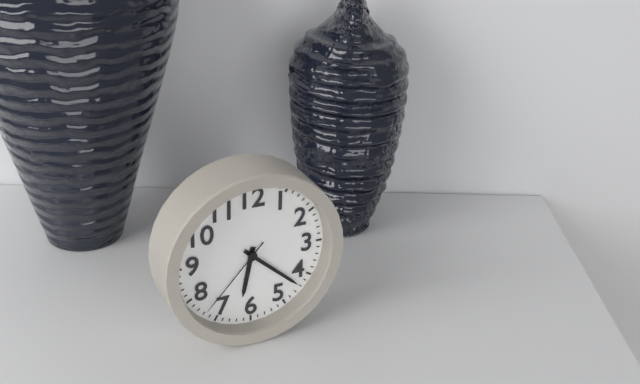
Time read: 6:22:37
